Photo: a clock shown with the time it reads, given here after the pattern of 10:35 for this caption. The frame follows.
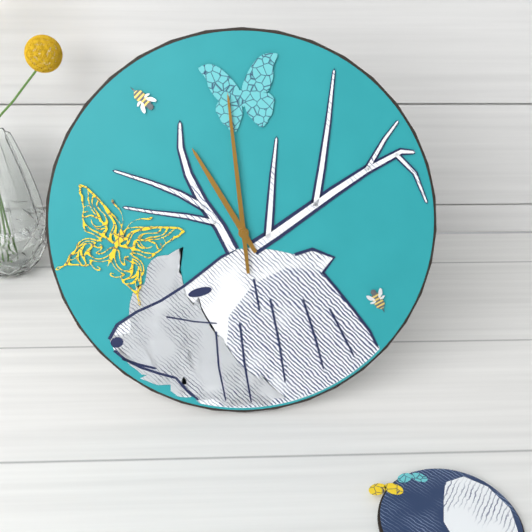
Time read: 10:59
